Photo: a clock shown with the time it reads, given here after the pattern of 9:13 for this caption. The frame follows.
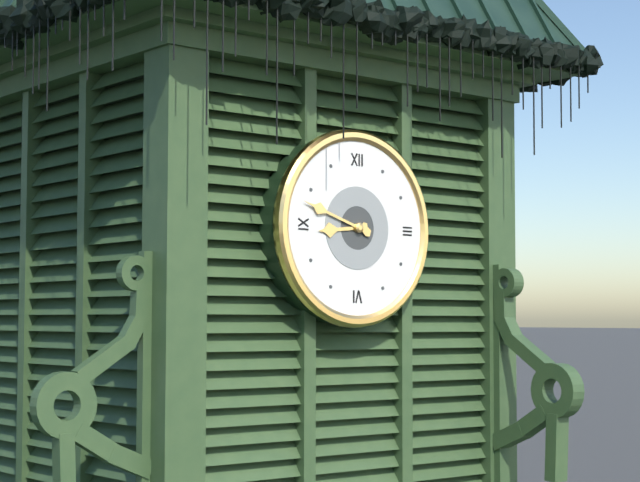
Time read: 8:48
